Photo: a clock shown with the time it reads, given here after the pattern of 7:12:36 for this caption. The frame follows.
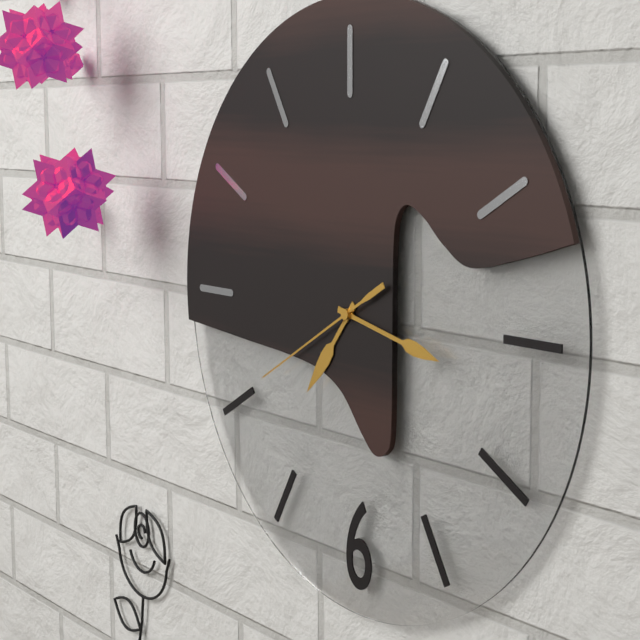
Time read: 7:17:40
